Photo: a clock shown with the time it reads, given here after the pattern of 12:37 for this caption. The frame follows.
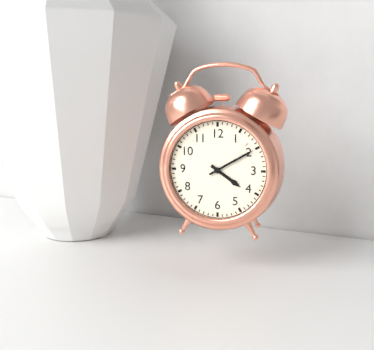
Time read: 4:10
